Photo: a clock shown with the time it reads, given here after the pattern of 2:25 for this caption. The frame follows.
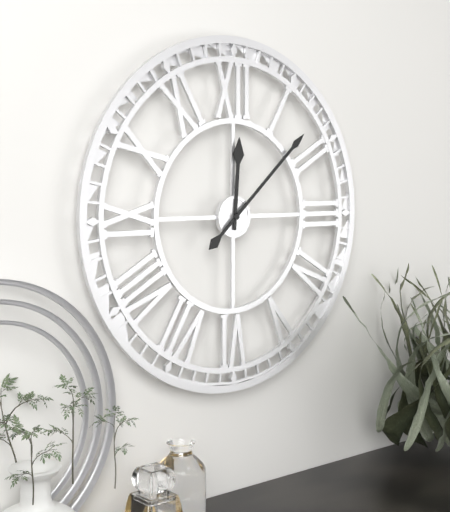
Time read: 12:08
